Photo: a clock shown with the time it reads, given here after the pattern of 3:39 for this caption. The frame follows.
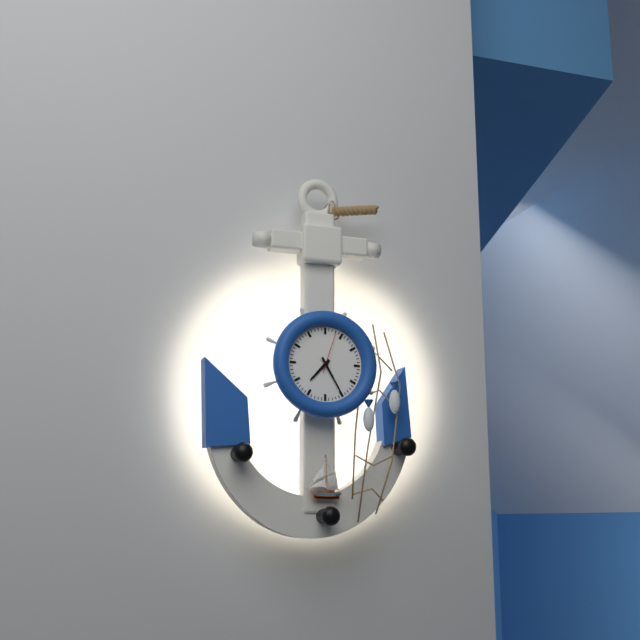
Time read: 7:25
